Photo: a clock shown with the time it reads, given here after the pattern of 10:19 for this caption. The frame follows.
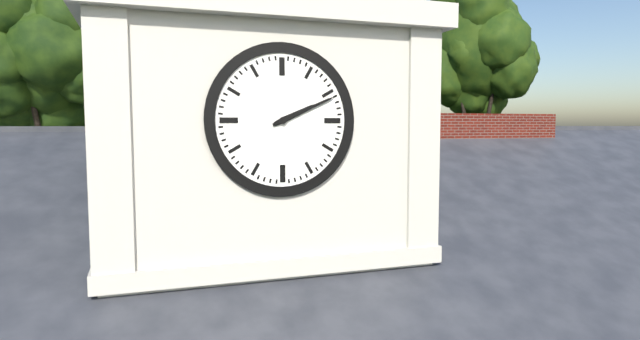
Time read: 2:11
